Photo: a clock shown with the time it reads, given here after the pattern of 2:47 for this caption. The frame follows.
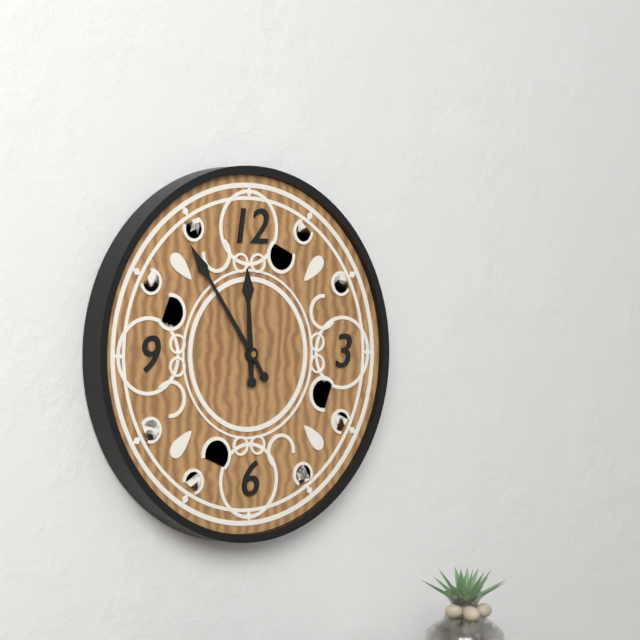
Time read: 11:54
